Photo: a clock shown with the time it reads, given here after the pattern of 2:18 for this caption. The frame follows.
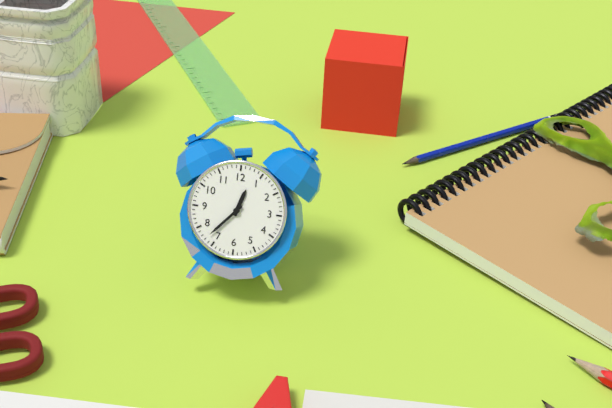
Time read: 12:37
